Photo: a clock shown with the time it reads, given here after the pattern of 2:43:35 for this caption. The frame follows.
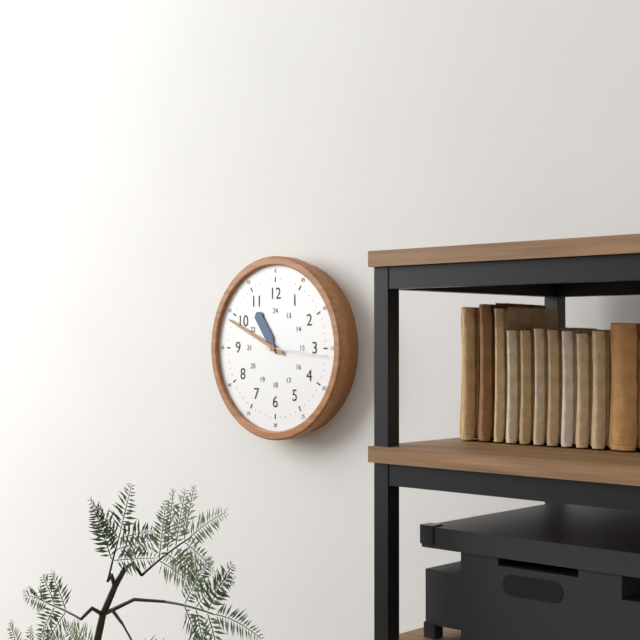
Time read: 10:49:16
